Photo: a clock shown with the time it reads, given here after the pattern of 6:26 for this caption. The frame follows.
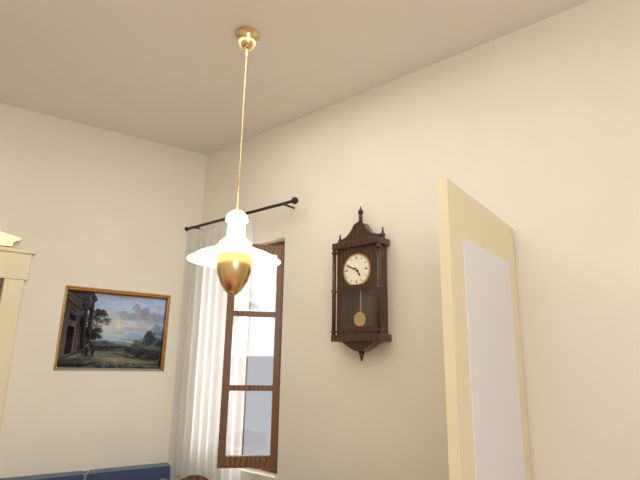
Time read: 4:49
